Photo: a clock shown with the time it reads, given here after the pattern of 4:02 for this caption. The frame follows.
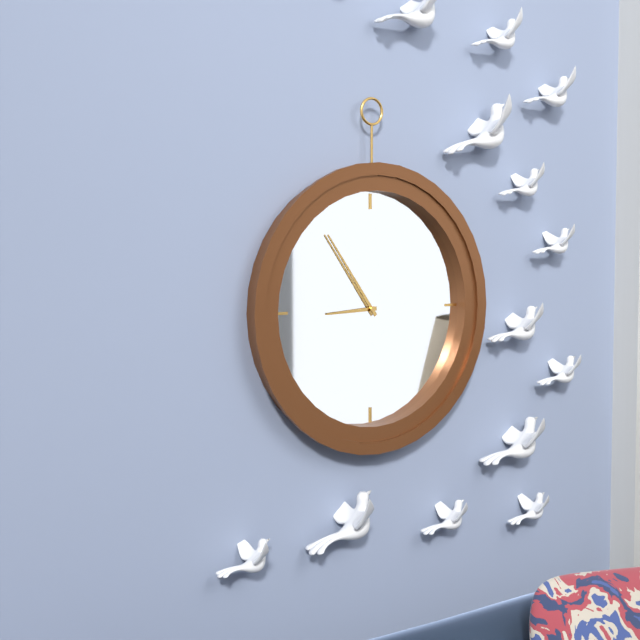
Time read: 8:54
